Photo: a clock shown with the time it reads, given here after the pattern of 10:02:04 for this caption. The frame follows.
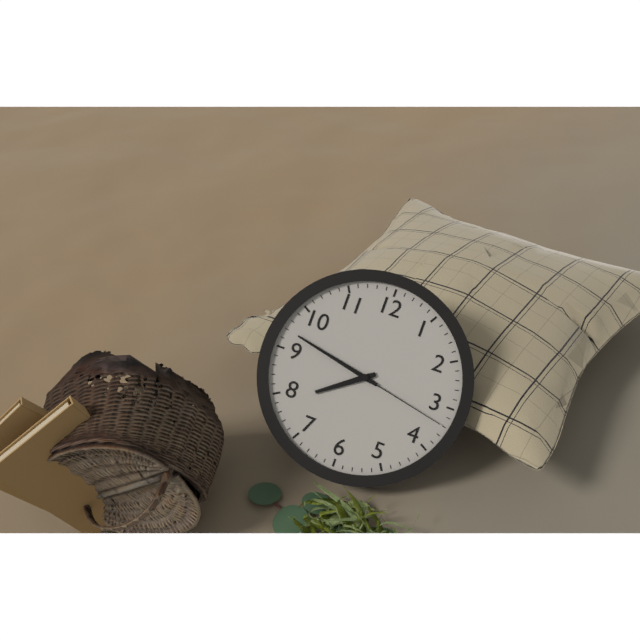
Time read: 7:47:17
